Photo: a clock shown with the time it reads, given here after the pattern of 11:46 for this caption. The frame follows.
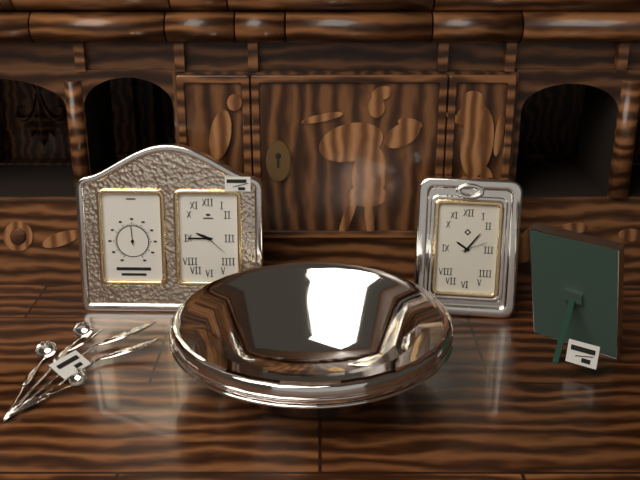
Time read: 9:45
